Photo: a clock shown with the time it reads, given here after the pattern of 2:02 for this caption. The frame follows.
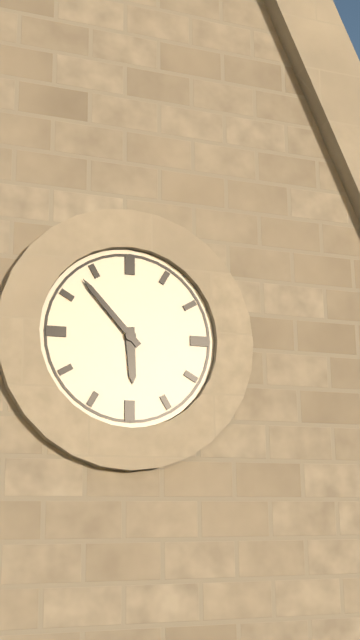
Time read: 5:53
